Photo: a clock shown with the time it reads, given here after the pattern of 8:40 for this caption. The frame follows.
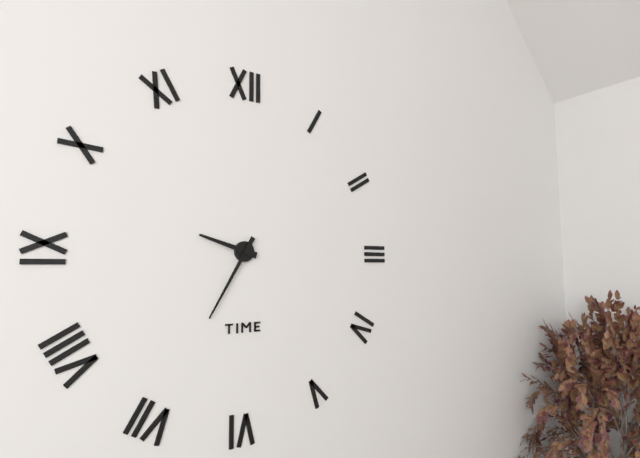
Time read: 9:35
